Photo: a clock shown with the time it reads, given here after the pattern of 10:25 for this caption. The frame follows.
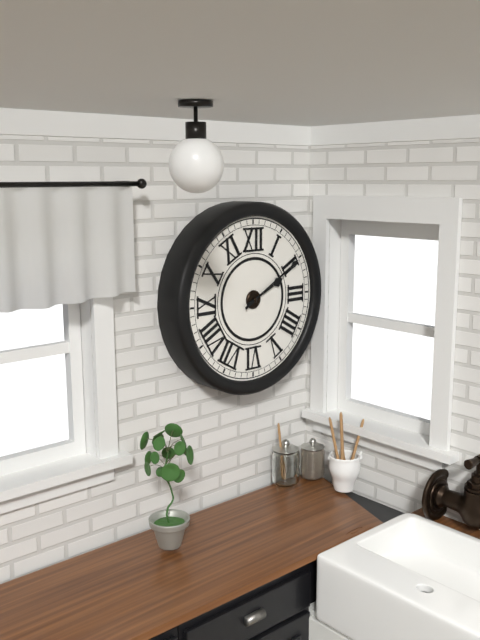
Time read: 2:10
